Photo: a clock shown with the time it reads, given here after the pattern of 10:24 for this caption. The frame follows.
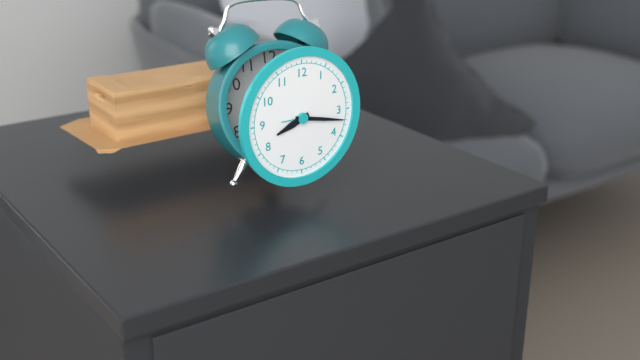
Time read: 8:17
